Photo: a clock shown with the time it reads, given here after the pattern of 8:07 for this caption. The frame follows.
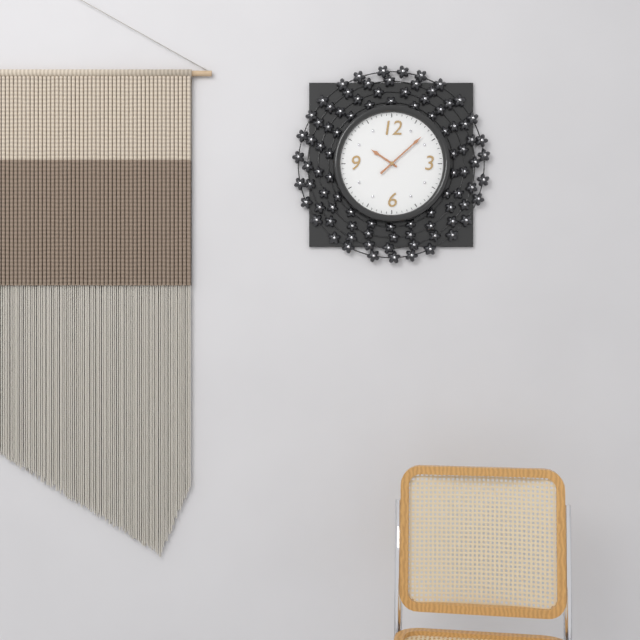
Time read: 10:08
